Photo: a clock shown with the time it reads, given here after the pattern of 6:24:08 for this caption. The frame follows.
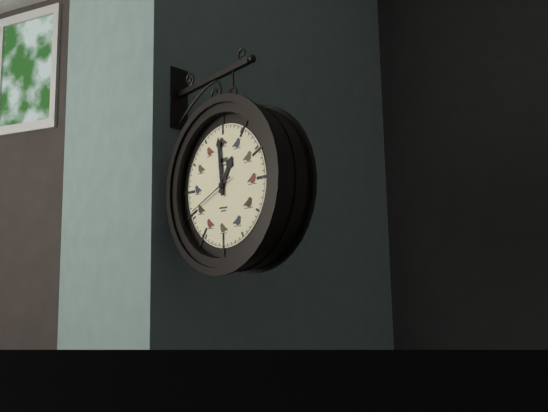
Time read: 12:59:41
